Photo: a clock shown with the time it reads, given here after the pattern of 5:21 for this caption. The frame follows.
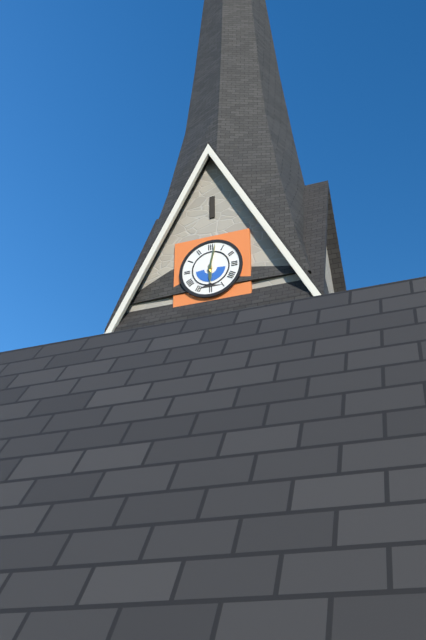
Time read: 6:02
